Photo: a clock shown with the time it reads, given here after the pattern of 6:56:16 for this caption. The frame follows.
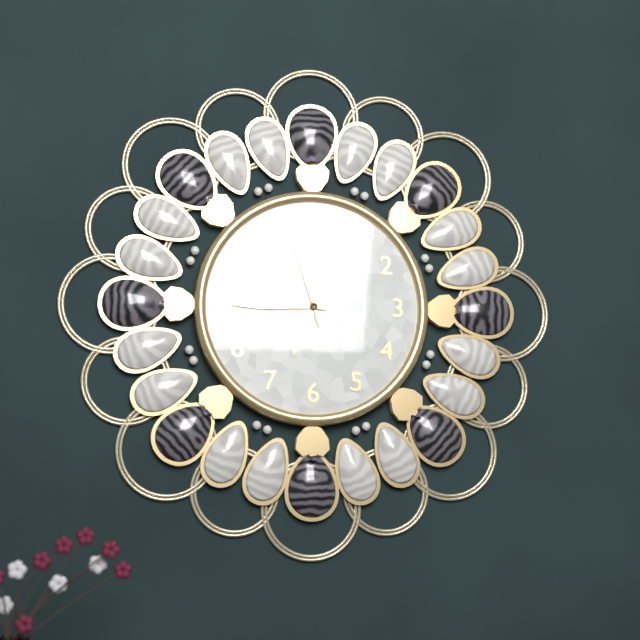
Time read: 6:45:57
